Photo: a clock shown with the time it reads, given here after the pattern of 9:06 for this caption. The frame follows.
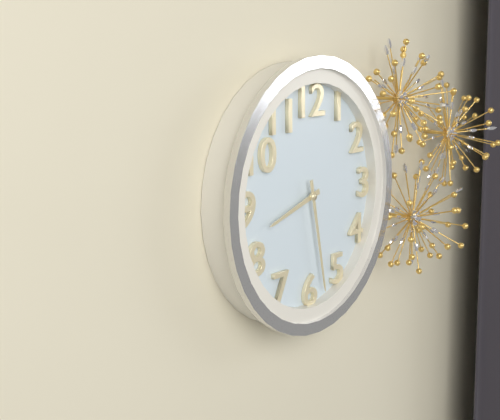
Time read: 8:28
